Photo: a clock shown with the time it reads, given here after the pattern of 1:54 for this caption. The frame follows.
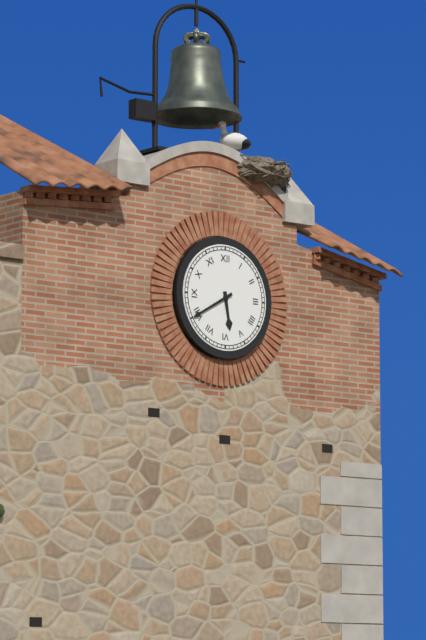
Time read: 5:40
